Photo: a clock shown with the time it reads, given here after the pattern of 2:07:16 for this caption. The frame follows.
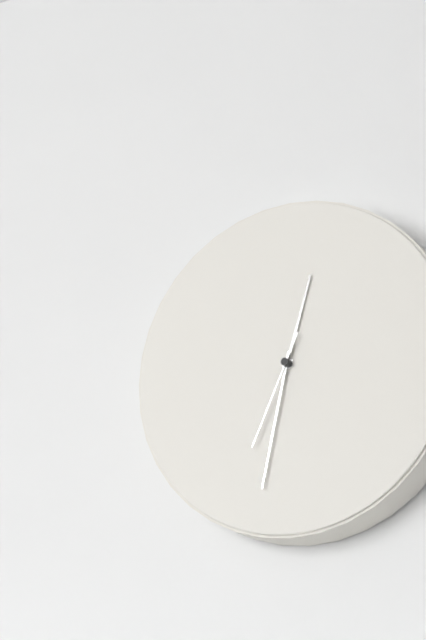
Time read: 12:32:34
